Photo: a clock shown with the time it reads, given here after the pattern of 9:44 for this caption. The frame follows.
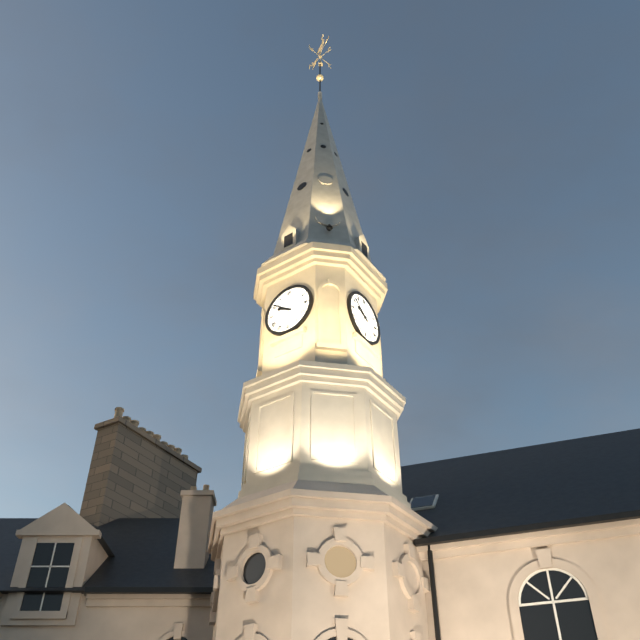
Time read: 9:51
